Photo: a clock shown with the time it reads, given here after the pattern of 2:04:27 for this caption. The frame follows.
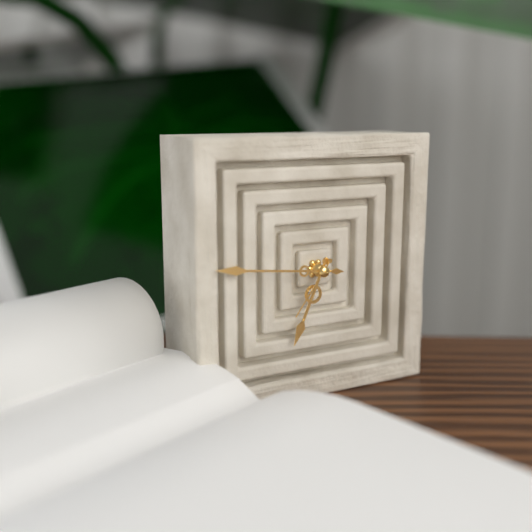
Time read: 6:46:36
